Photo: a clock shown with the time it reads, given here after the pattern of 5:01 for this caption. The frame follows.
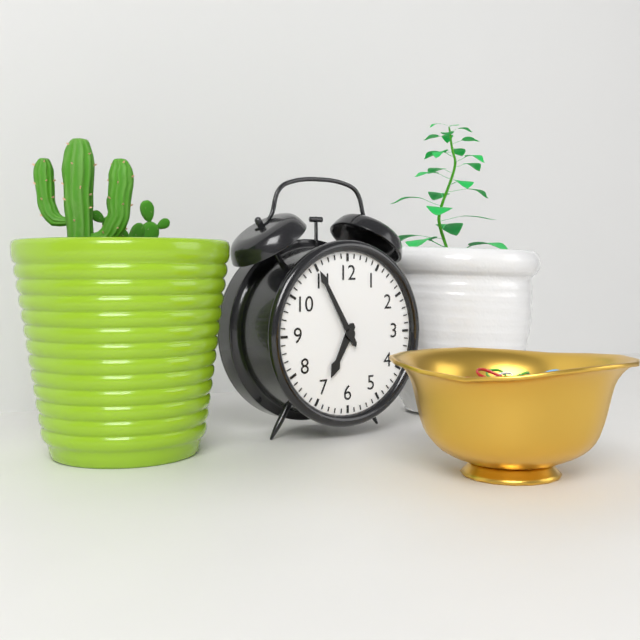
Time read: 6:55
